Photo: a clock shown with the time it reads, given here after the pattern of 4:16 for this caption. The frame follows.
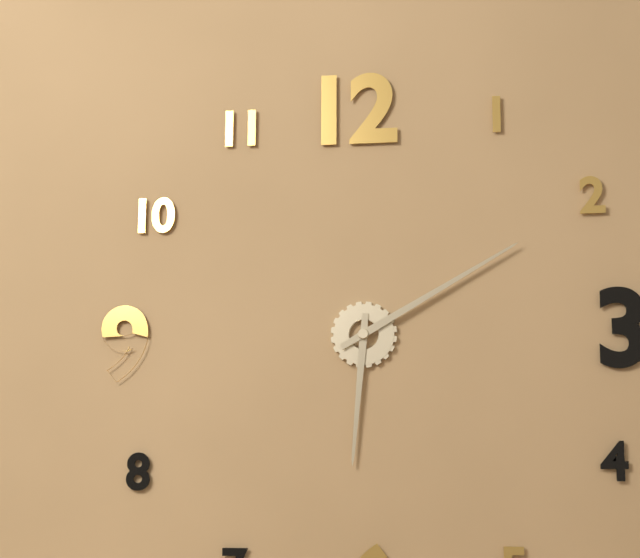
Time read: 6:10
